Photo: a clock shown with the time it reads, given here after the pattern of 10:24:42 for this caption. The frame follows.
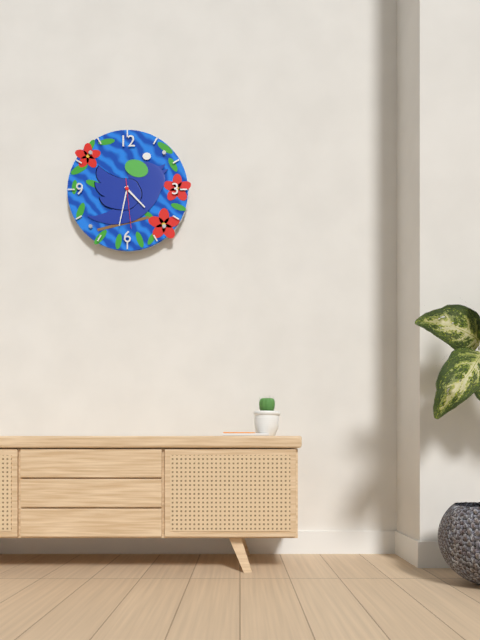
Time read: 4:32:29
